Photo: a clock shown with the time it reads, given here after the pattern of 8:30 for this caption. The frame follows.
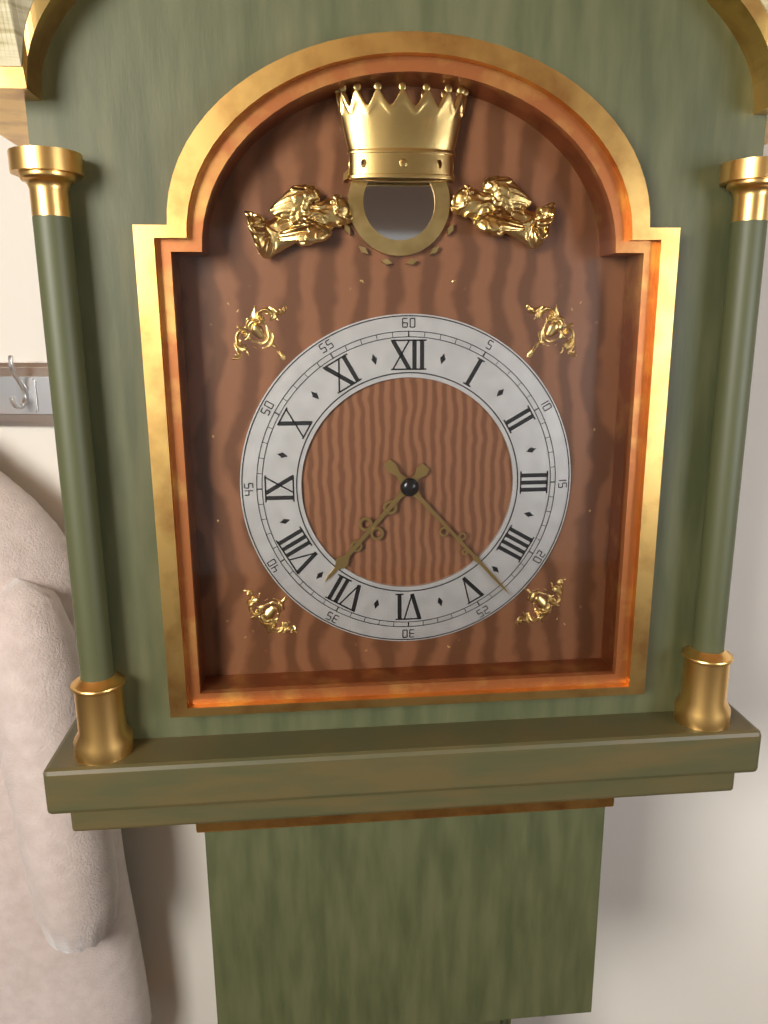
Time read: 7:23
